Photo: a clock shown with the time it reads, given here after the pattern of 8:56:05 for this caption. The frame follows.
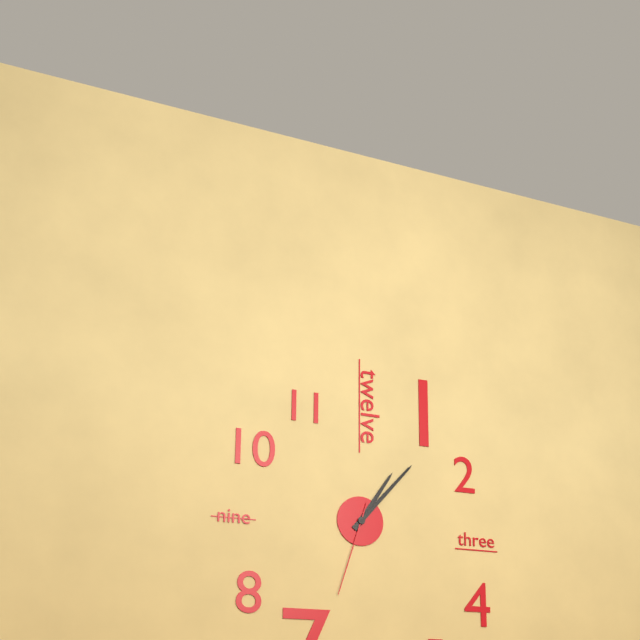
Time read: 1:07:33
